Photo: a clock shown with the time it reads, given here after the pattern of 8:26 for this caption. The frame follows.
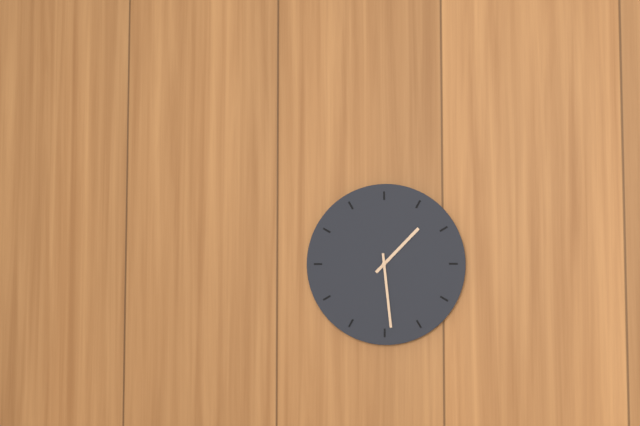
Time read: 1:29
